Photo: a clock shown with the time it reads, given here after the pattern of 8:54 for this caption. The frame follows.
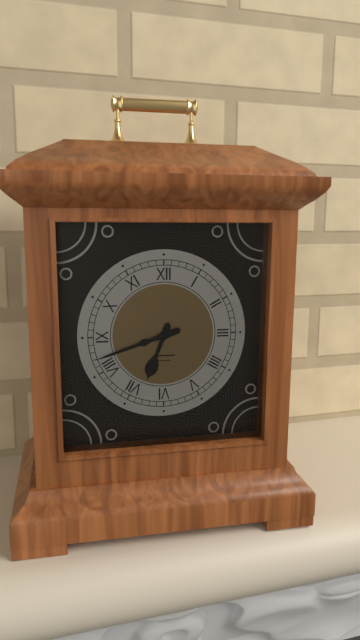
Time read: 6:42
